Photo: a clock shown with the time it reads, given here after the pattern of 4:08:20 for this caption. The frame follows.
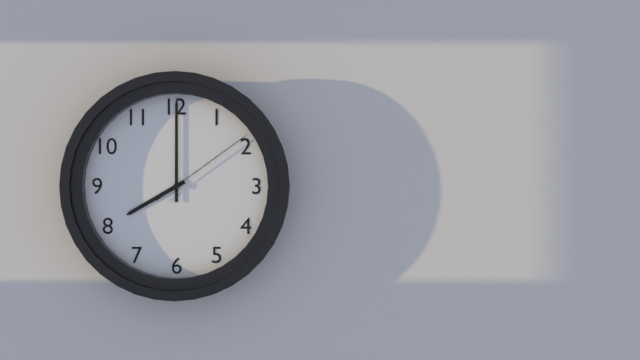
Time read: 8:00:09
